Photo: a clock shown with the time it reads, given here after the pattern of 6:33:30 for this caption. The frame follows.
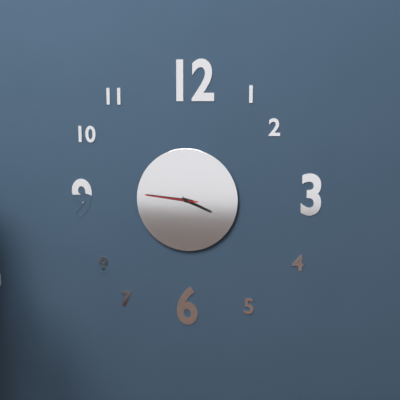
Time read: 3:46:46
